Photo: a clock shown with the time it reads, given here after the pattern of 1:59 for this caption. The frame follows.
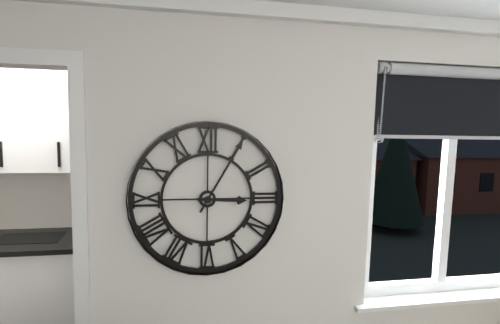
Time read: 3:05
